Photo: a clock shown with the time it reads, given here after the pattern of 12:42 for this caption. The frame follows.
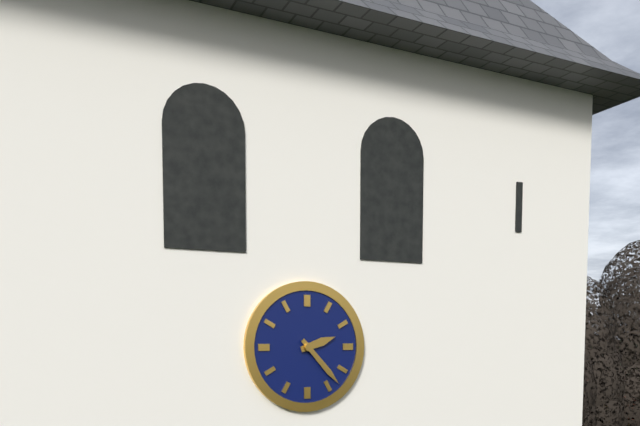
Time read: 2:23
